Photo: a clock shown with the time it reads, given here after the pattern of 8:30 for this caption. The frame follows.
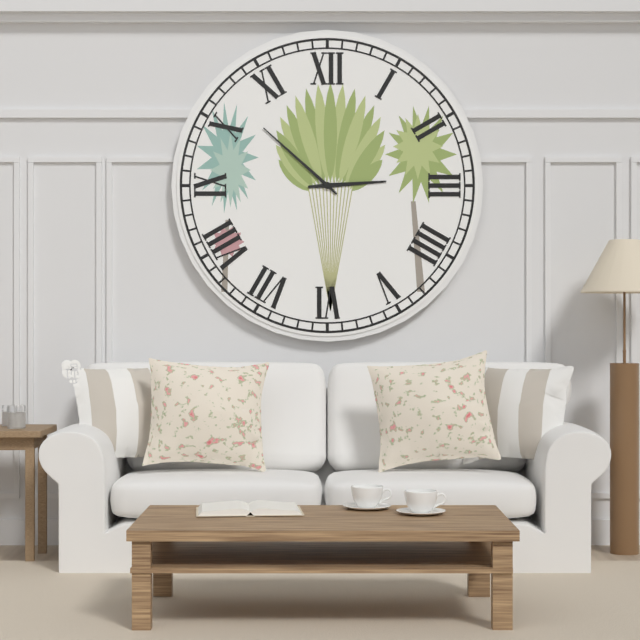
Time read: 2:52
